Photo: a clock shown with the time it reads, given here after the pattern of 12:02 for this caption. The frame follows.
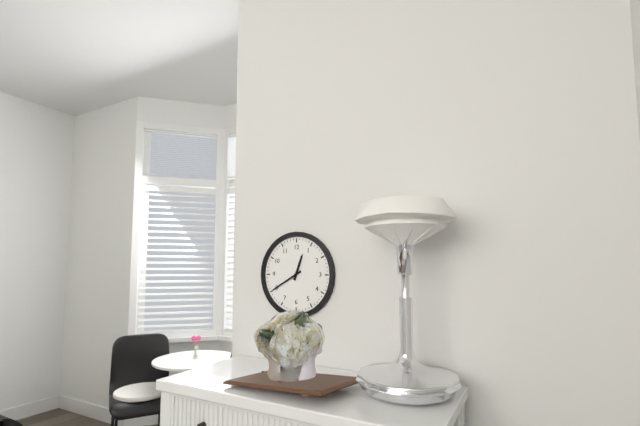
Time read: 12:40
